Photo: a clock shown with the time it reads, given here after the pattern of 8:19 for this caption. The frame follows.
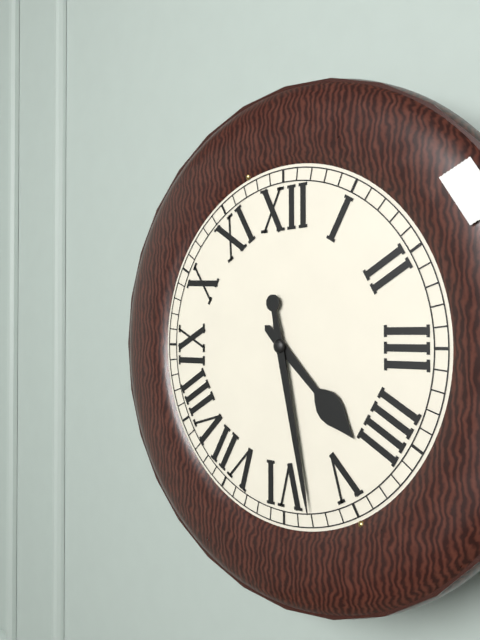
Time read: 4:28
